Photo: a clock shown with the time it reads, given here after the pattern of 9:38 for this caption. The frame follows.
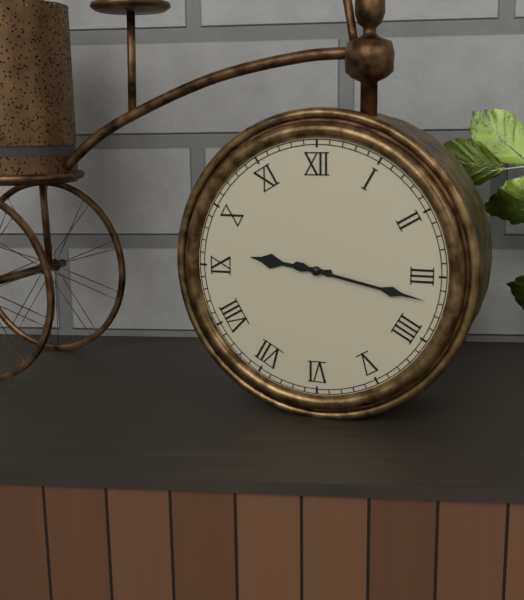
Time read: 9:17
